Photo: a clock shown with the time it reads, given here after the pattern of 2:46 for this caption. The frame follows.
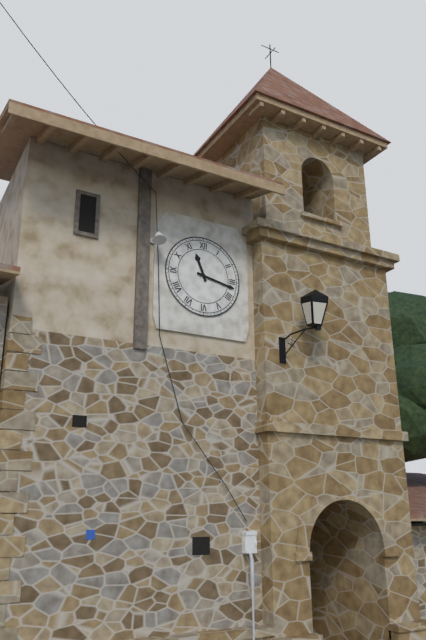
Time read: 11:17
